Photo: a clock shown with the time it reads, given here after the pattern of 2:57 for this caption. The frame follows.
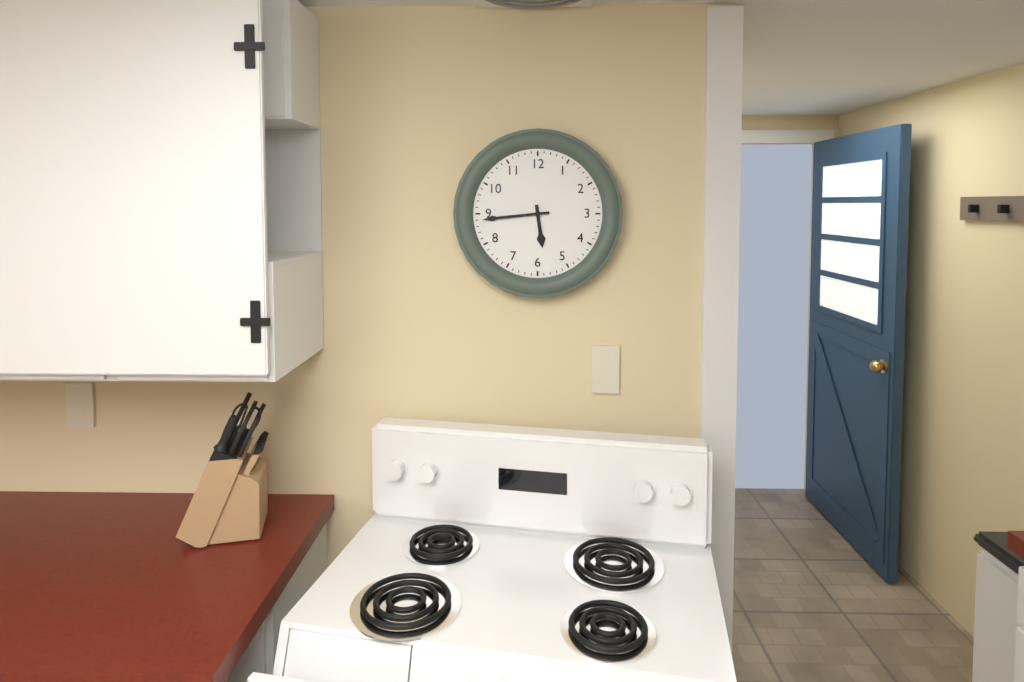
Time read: 5:44
